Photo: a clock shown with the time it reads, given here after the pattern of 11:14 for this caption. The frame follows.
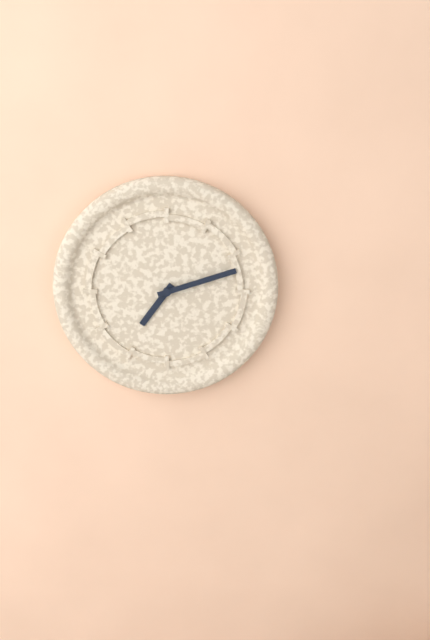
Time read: 7:12
